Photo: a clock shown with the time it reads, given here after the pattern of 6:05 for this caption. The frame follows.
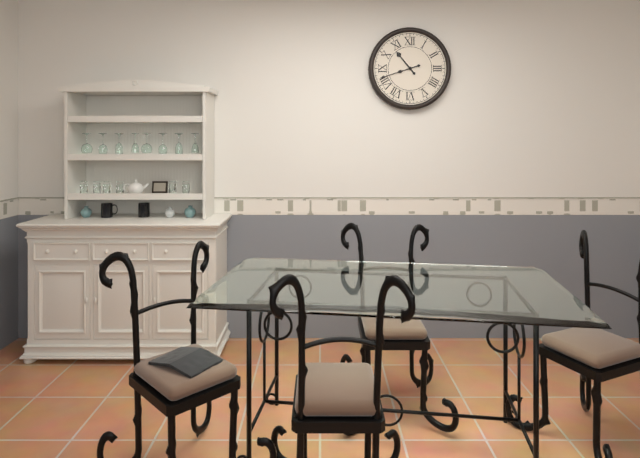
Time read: 10:42
